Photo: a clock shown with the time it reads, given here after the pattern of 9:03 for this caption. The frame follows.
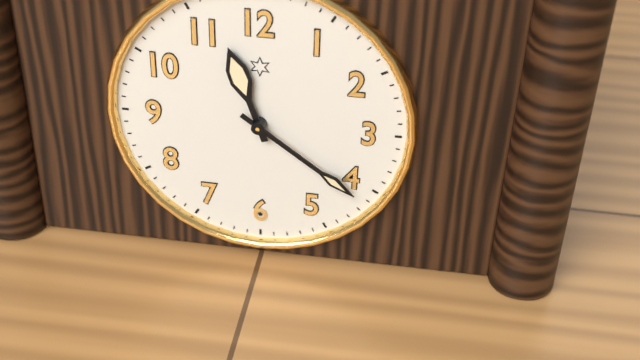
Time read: 11:21
